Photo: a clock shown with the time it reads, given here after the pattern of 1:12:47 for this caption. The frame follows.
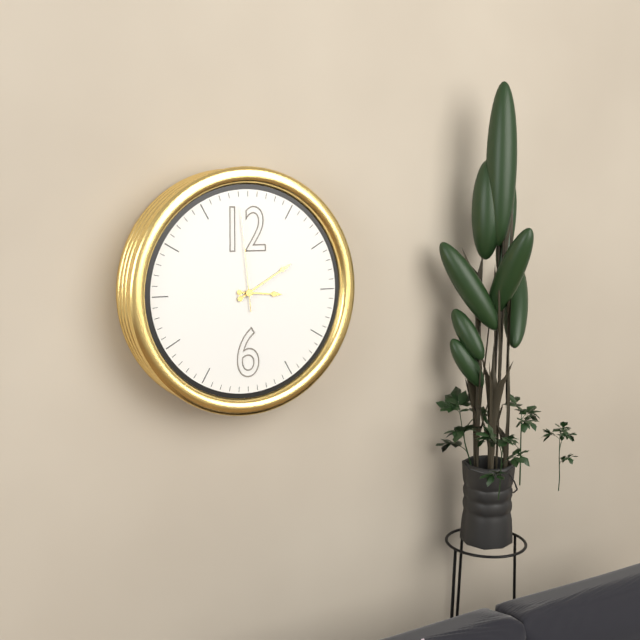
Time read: 3:10:59
